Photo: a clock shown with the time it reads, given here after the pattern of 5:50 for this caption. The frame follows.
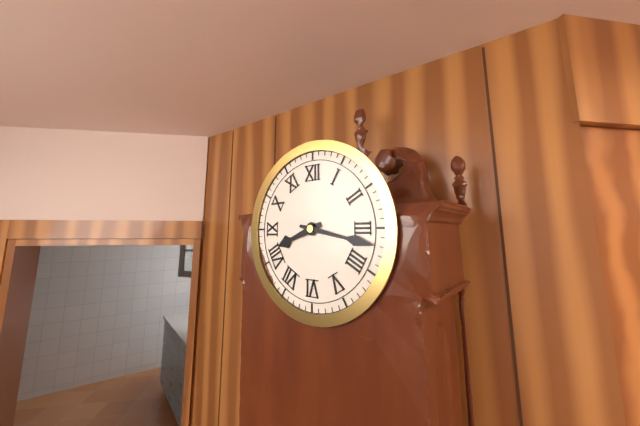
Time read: 8:17
